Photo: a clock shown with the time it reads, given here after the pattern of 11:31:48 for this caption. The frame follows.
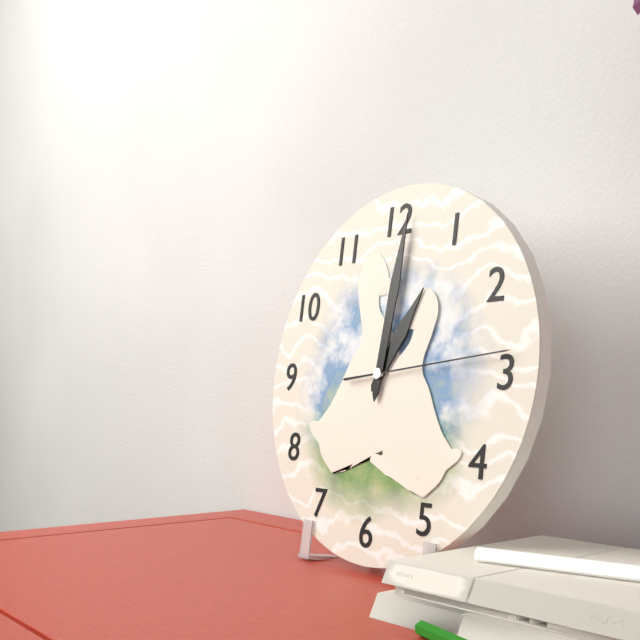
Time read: 1:01:14
